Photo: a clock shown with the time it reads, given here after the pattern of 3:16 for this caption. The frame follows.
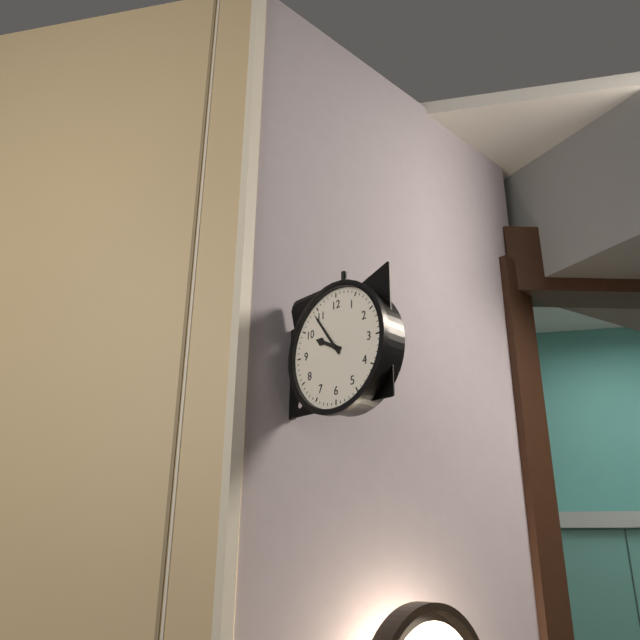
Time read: 9:54
